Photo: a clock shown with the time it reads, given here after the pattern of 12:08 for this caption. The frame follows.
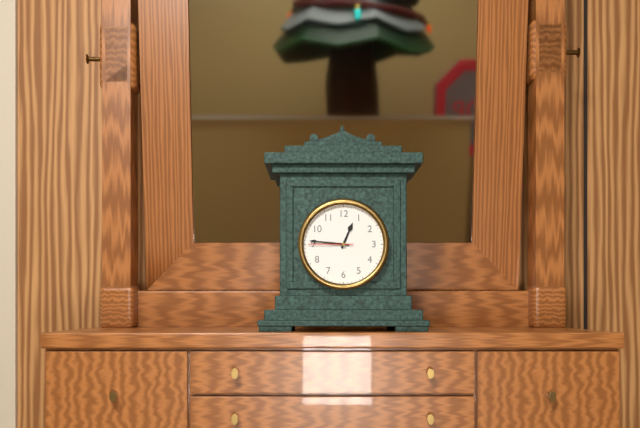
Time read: 12:46
